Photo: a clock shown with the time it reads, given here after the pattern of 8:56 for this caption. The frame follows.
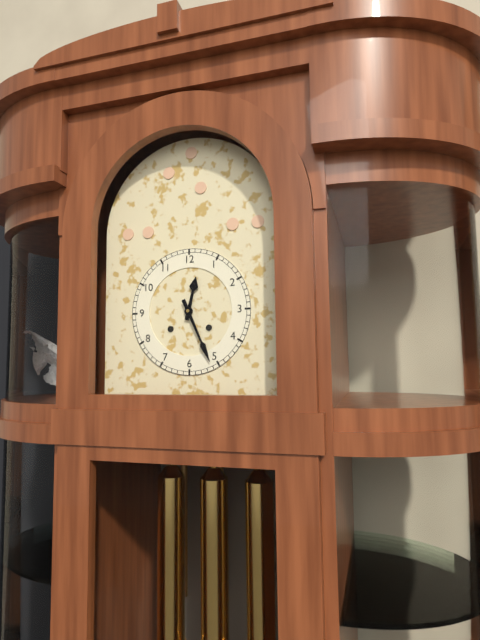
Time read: 12:26
